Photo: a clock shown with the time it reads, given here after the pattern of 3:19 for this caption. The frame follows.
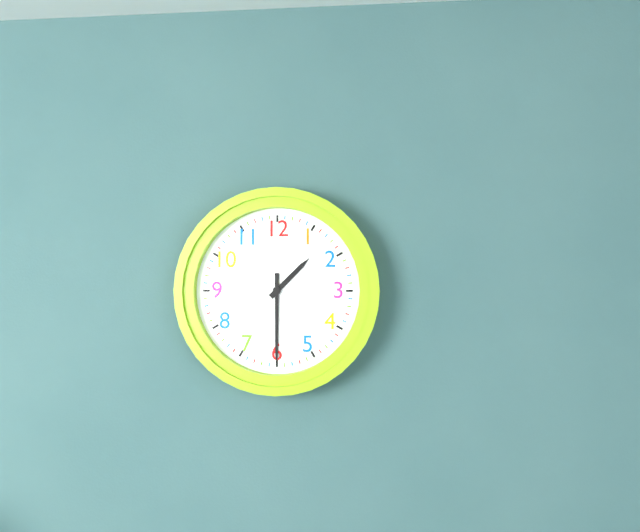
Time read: 1:30
